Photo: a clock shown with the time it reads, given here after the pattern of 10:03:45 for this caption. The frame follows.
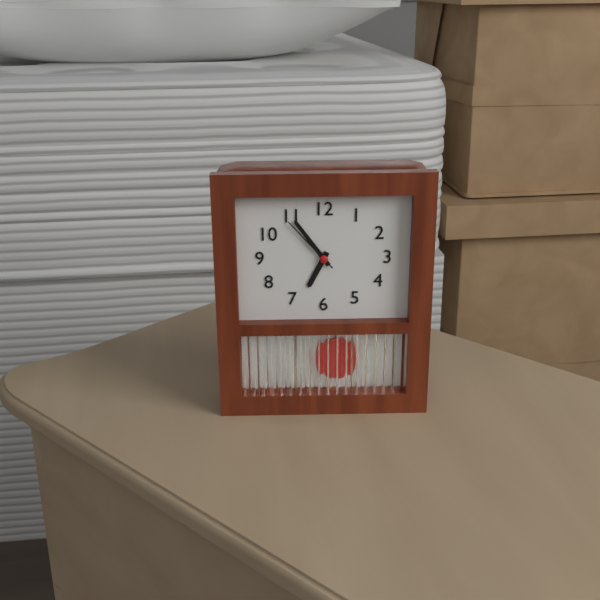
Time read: 6:54:53
